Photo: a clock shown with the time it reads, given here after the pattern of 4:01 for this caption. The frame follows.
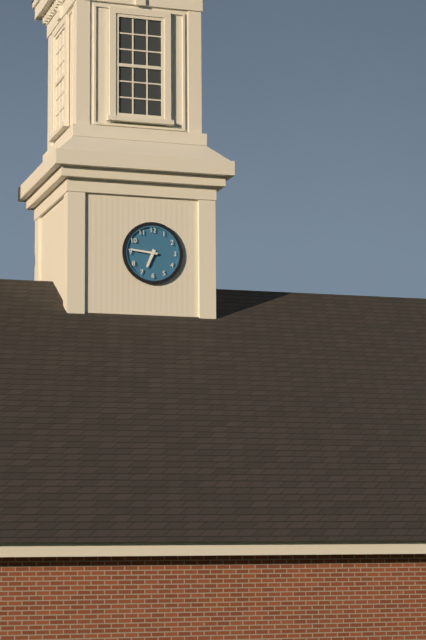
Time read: 6:46
